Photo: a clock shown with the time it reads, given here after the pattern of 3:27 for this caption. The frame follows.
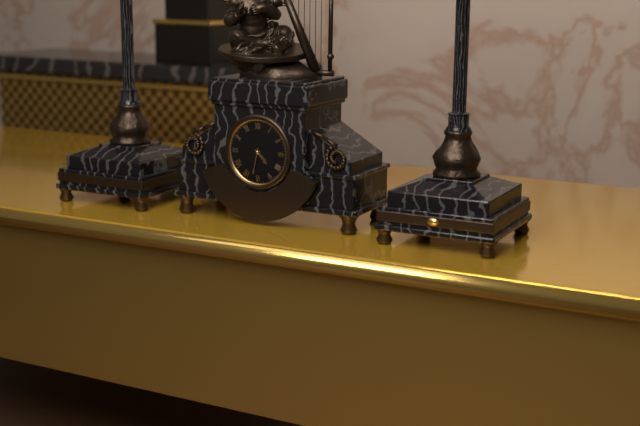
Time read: 4:32
